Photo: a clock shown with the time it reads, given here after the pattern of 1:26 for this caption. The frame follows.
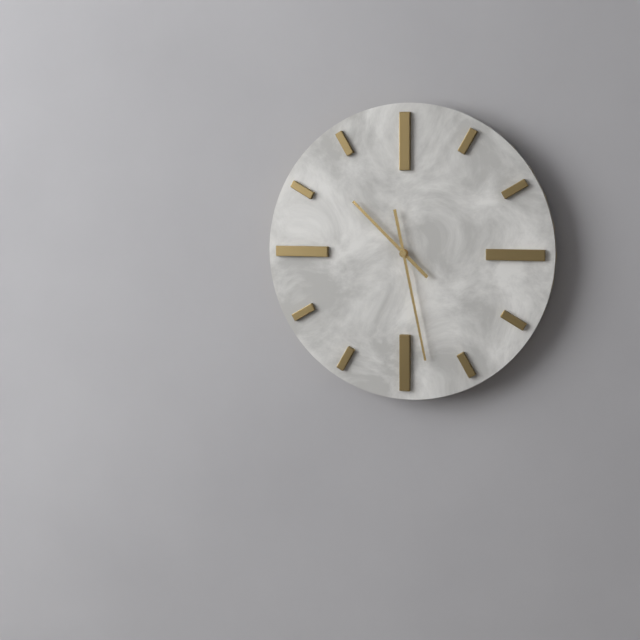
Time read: 10:28
